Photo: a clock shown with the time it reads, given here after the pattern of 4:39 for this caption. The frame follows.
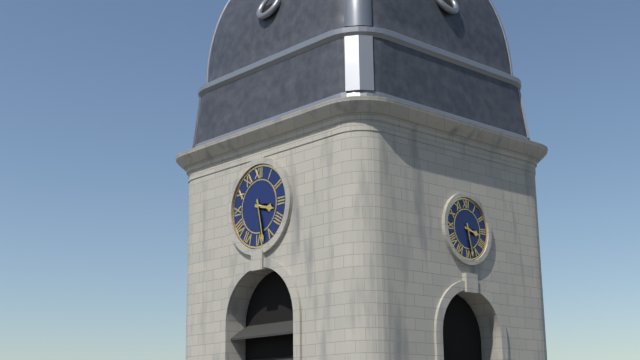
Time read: 3:28
